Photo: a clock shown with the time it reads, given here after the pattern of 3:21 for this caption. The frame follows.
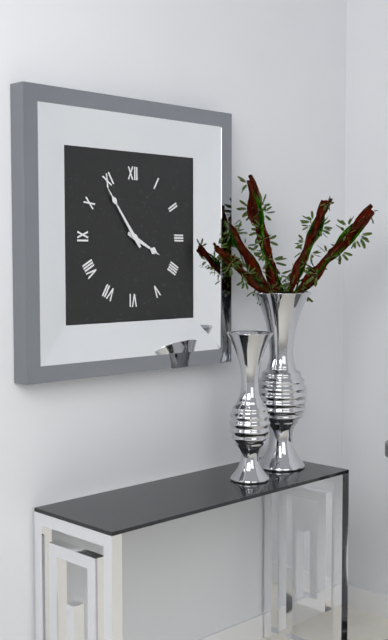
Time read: 3:54
